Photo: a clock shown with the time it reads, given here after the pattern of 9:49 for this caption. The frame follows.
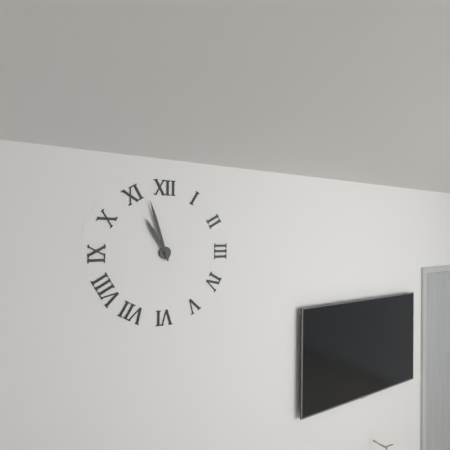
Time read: 10:57
